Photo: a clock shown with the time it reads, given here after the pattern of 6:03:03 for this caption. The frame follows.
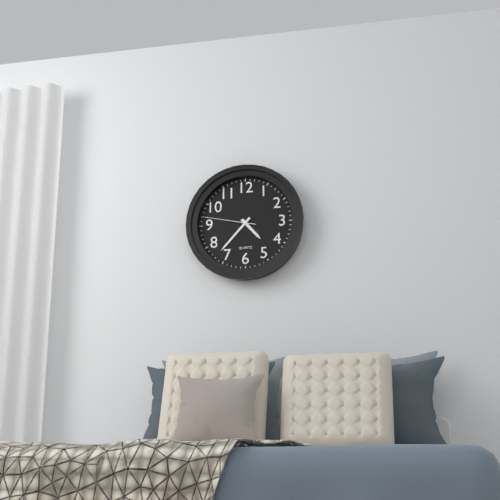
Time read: 4:37:47
